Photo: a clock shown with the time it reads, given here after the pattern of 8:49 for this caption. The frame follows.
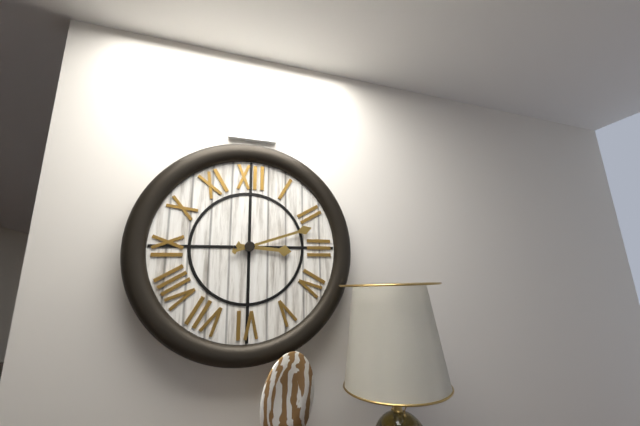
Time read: 3:12
